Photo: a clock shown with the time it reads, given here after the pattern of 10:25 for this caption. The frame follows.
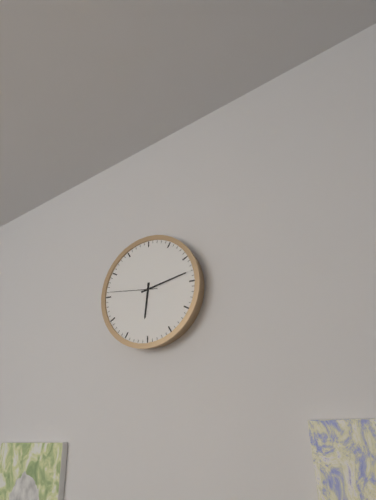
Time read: 6:13
